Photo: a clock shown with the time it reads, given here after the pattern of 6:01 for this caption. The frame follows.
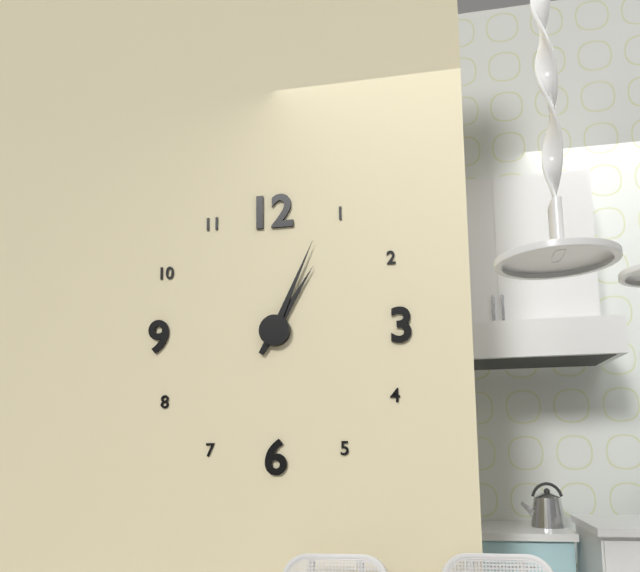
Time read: 1:04
